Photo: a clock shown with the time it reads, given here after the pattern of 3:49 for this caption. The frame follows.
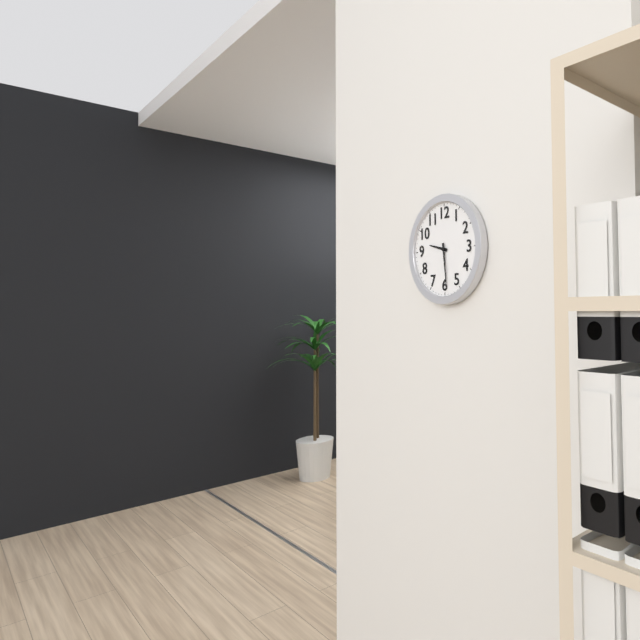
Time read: 9:29
